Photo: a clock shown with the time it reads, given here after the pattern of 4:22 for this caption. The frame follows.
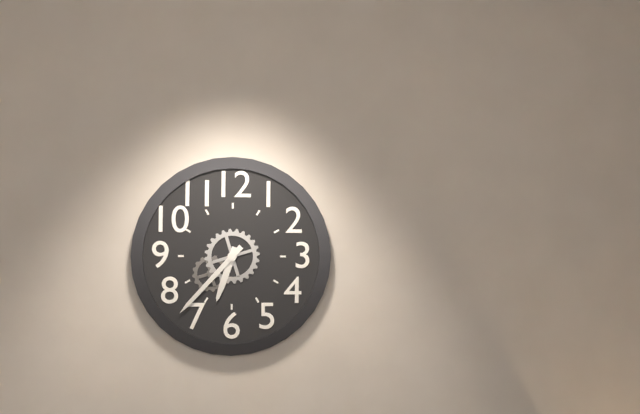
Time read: 6:37
